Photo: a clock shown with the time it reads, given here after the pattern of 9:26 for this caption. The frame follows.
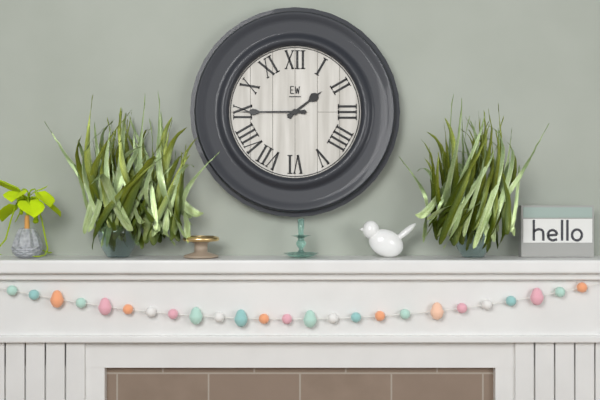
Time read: 1:45
